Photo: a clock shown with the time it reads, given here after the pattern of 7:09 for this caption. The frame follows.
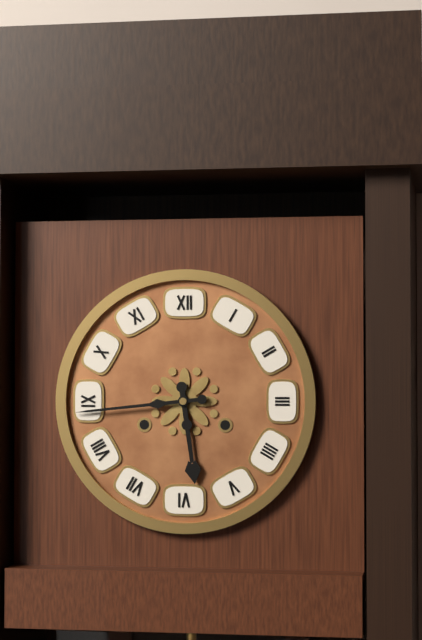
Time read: 5:44
